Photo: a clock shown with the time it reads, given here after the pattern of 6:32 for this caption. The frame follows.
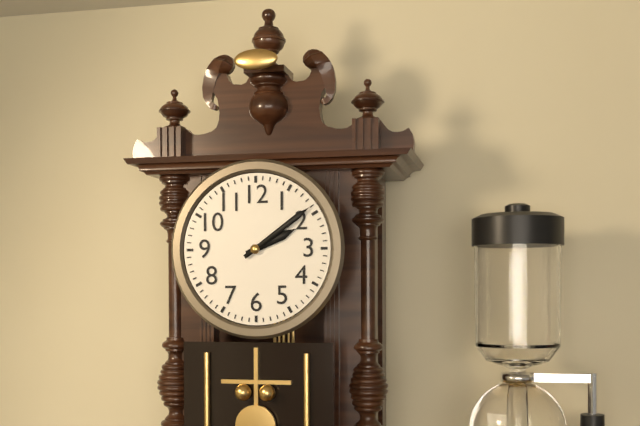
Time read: 2:09
